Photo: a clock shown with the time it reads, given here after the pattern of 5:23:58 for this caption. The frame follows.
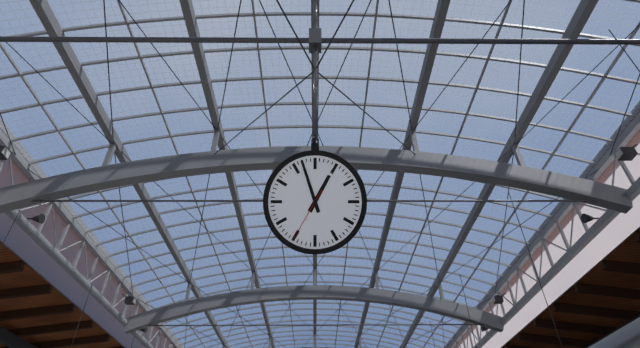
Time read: 12:57:35
